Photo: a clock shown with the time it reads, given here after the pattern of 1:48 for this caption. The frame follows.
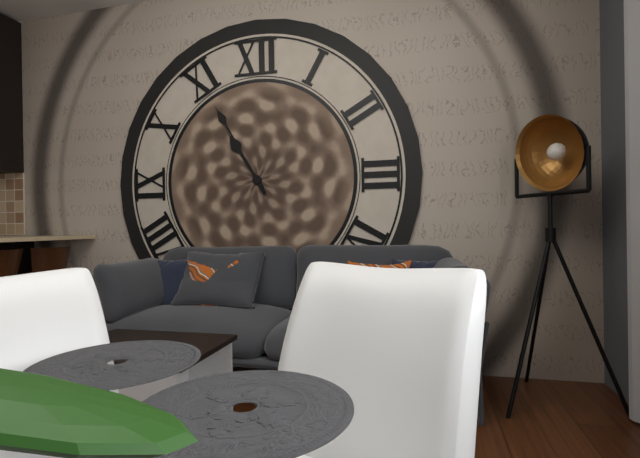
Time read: 10:55
